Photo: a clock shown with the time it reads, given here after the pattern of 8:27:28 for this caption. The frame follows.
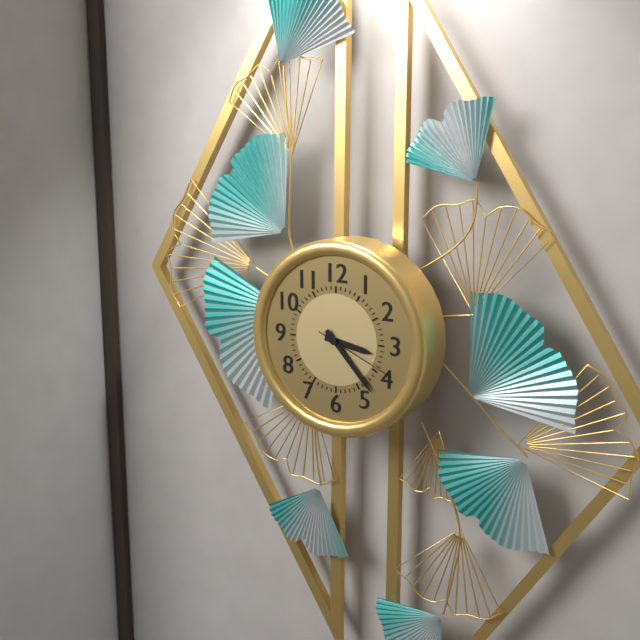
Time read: 3:23:19
